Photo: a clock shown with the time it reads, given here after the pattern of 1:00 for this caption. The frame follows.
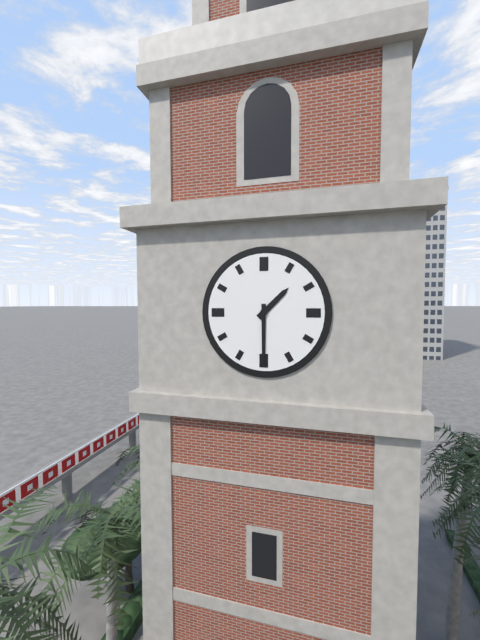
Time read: 1:30
